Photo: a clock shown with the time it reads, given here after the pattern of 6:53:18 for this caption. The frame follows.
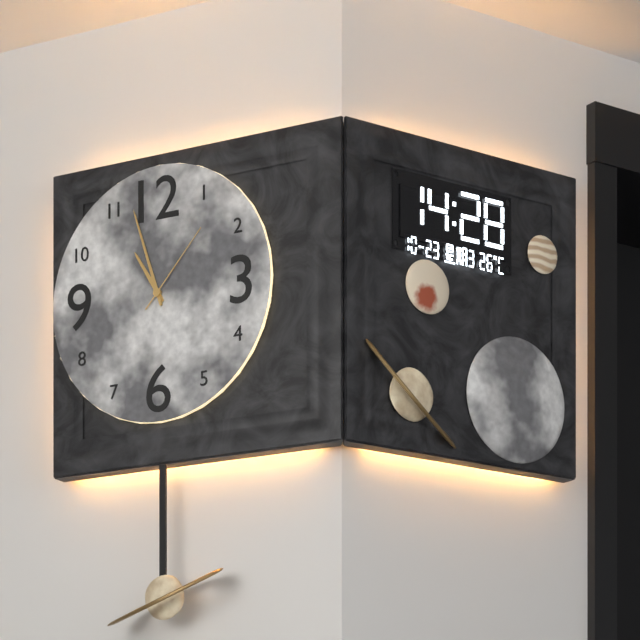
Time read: 10:57:07
